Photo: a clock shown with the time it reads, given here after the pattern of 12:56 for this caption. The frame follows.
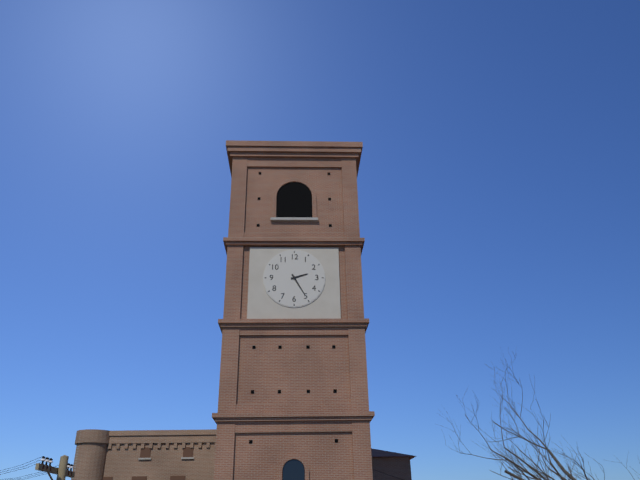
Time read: 2:25
